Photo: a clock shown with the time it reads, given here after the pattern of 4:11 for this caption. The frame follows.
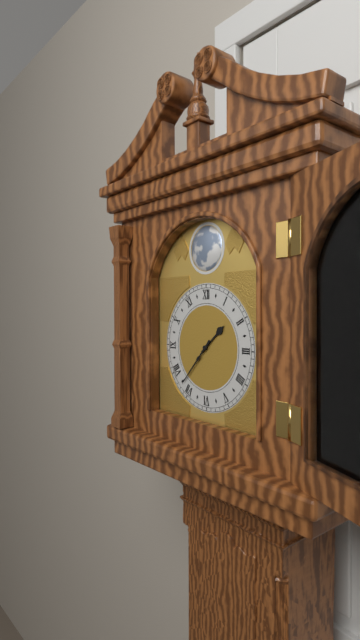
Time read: 1:37
